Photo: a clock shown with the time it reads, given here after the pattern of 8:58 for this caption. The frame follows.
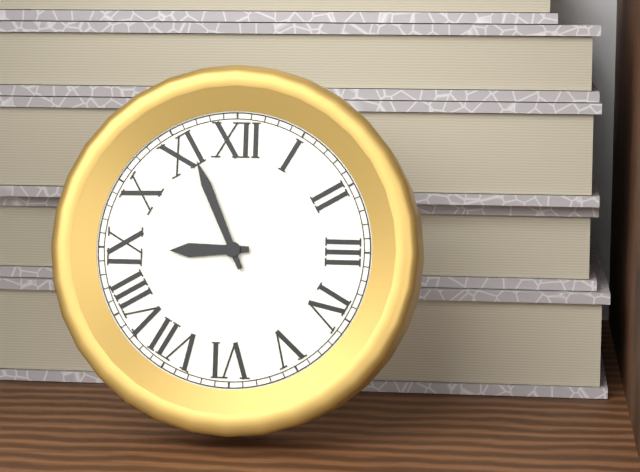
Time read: 8:56
